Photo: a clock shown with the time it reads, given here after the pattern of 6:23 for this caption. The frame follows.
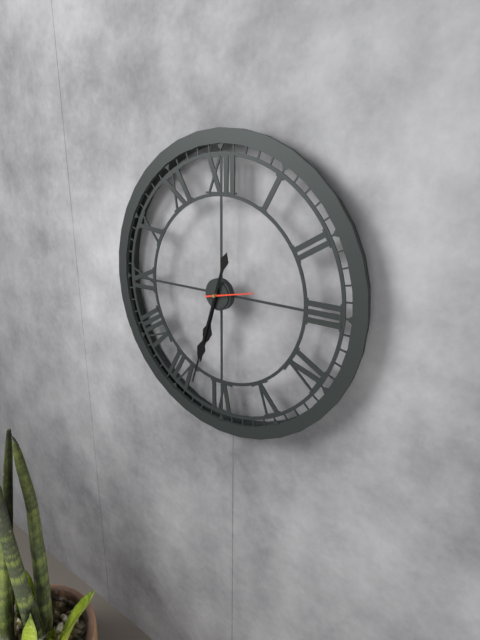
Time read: 6:33
